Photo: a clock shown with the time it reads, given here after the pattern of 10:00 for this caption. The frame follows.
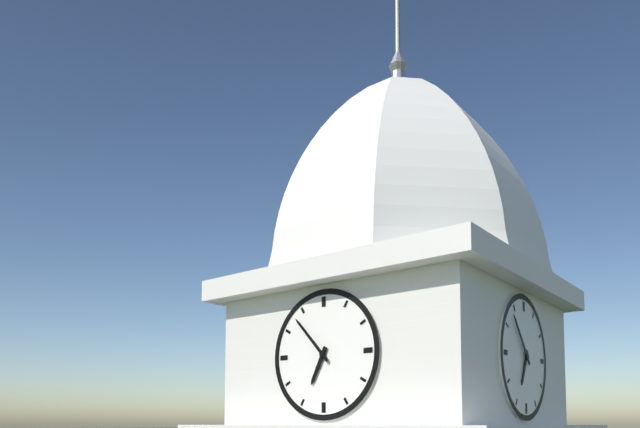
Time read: 6:53
